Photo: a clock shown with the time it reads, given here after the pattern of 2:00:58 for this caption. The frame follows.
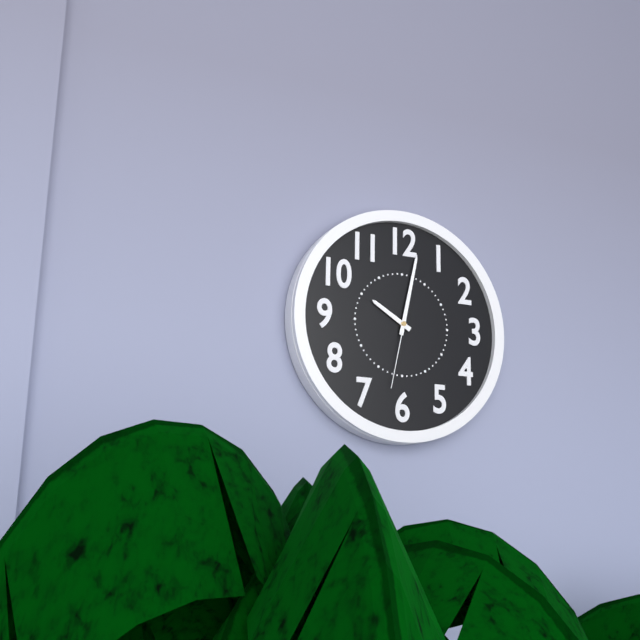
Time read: 10:02:32
